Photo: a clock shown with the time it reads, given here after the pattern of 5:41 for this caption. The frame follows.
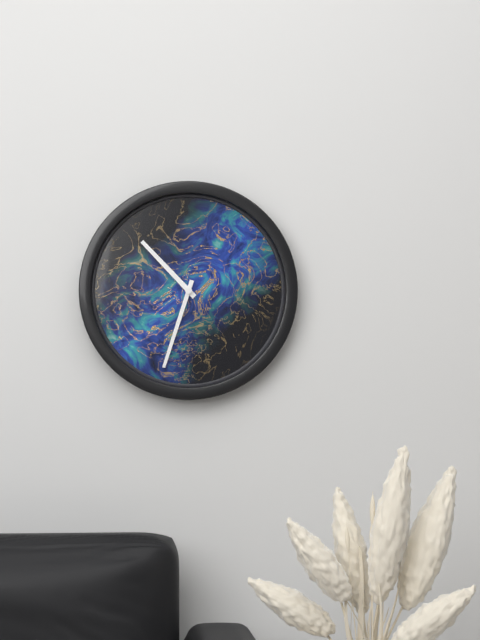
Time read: 10:33
